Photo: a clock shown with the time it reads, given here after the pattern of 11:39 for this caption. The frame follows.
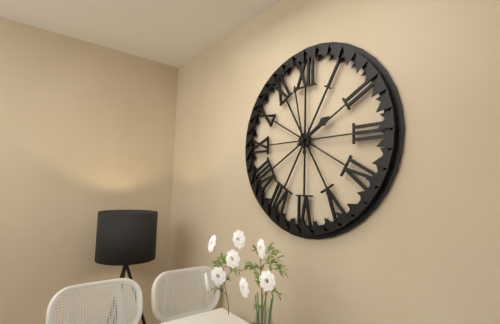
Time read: 1:58
